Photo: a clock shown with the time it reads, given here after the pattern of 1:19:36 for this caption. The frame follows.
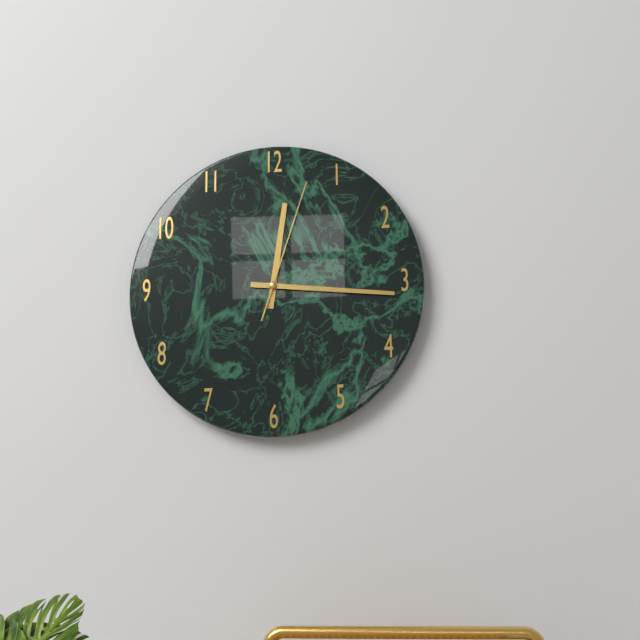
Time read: 12:16:03
